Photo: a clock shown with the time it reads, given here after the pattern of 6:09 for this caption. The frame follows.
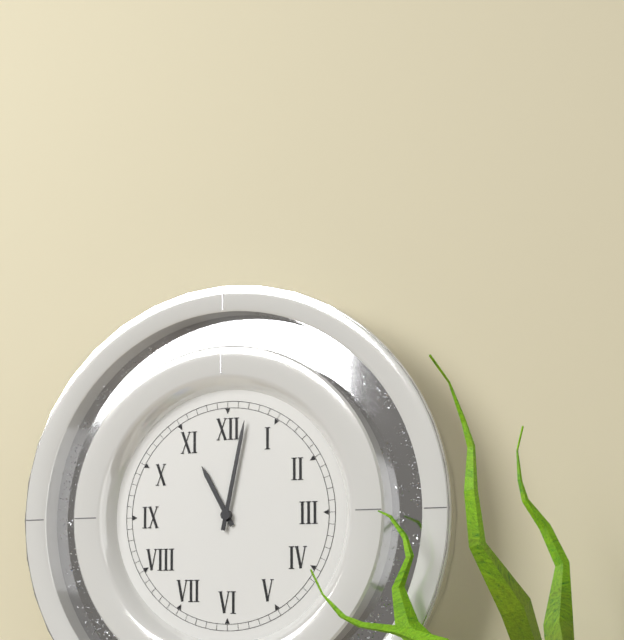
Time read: 11:02
